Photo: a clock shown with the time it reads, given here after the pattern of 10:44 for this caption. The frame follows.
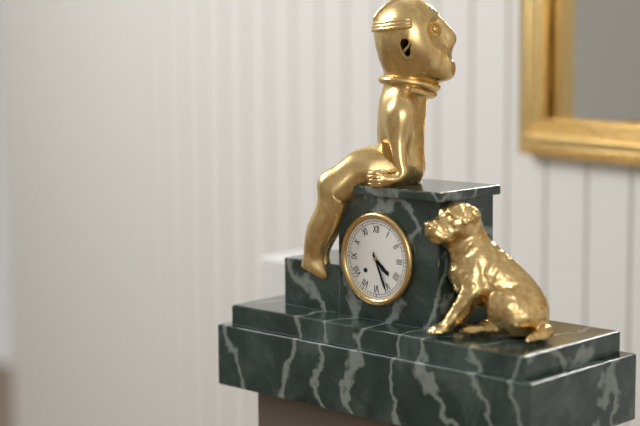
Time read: 4:26
